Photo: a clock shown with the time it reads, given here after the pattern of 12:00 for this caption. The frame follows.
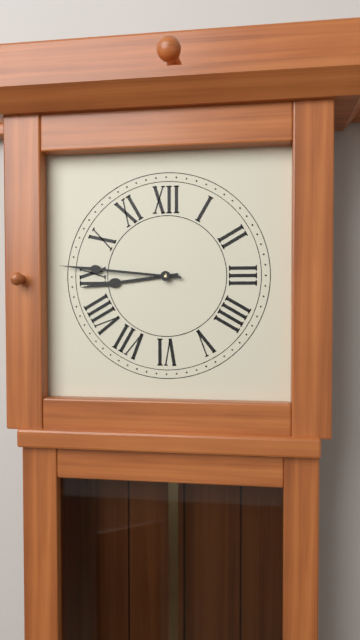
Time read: 8:46
